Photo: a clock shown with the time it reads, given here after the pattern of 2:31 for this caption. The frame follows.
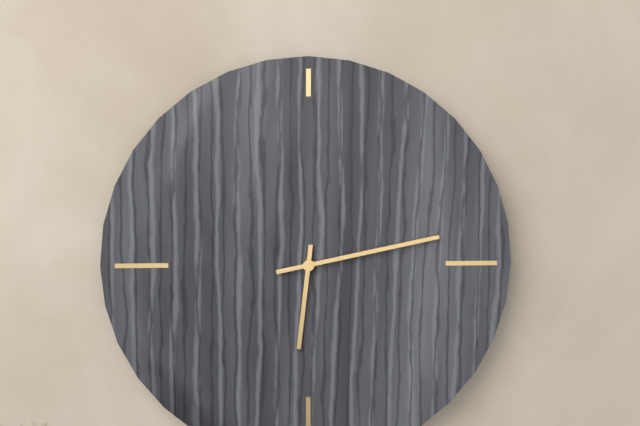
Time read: 6:13
